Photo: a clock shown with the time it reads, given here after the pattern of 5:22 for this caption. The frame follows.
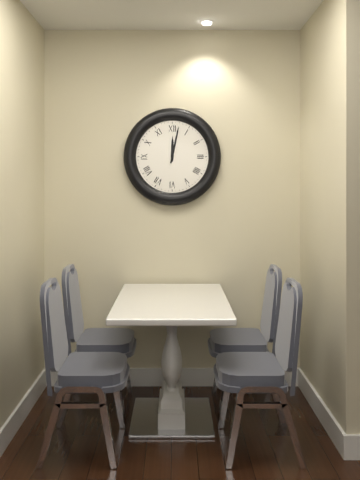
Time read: 12:02
